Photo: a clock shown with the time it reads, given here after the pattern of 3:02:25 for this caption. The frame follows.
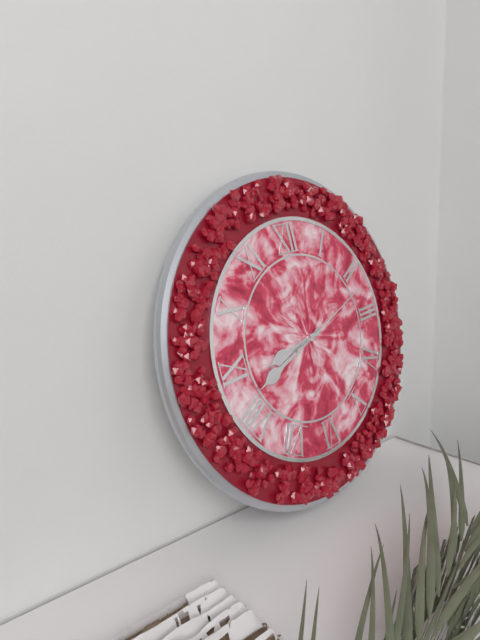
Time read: 8:42:12
